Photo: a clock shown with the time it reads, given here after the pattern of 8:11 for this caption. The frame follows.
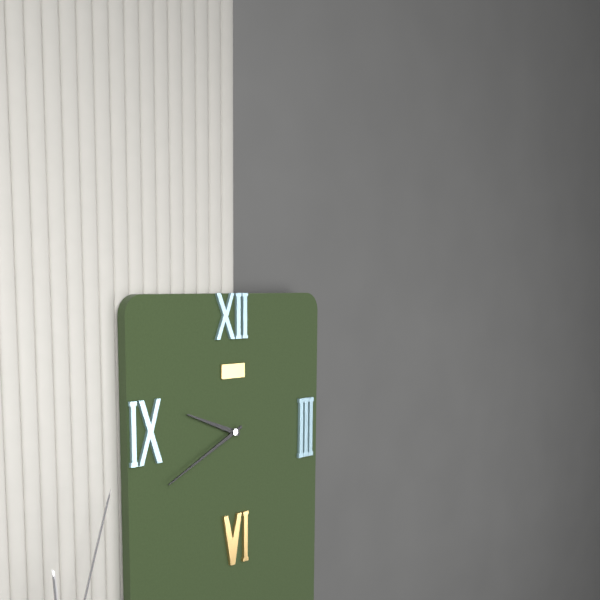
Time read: 9:41
